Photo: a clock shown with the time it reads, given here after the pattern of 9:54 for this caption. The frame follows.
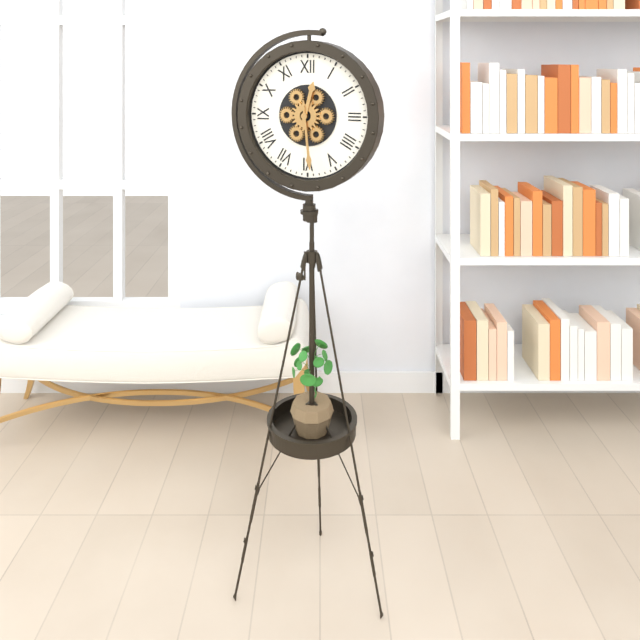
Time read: 12:29
